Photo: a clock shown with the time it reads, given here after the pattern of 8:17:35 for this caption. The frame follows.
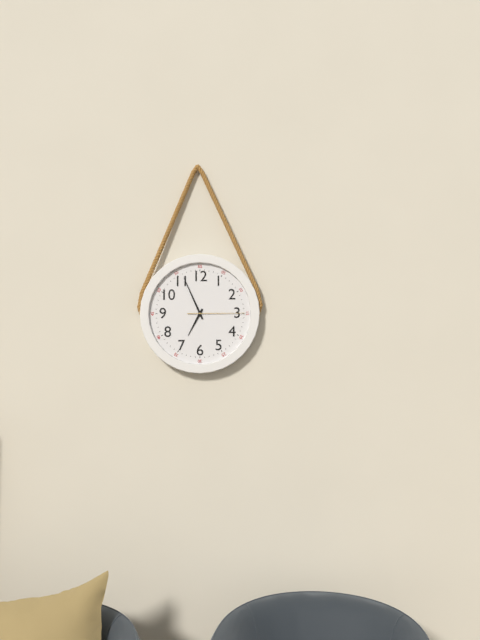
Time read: 6:56:15
